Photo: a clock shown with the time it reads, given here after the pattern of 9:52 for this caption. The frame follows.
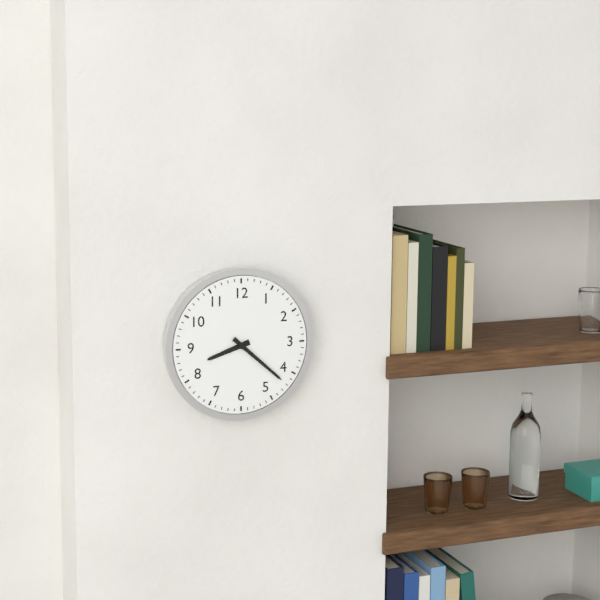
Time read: 8:22
